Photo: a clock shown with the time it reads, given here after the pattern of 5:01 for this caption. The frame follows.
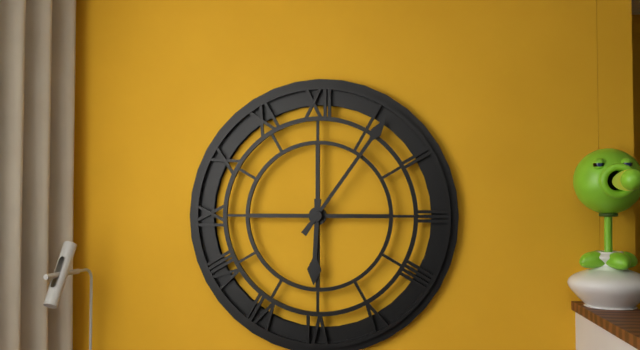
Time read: 6:06
